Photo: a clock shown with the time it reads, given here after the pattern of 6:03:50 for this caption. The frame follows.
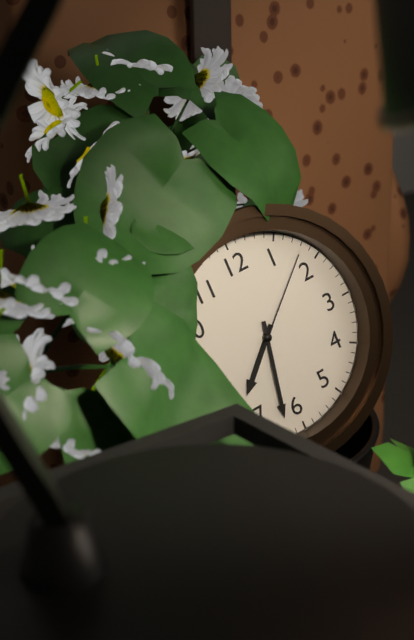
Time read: 7:32:08
